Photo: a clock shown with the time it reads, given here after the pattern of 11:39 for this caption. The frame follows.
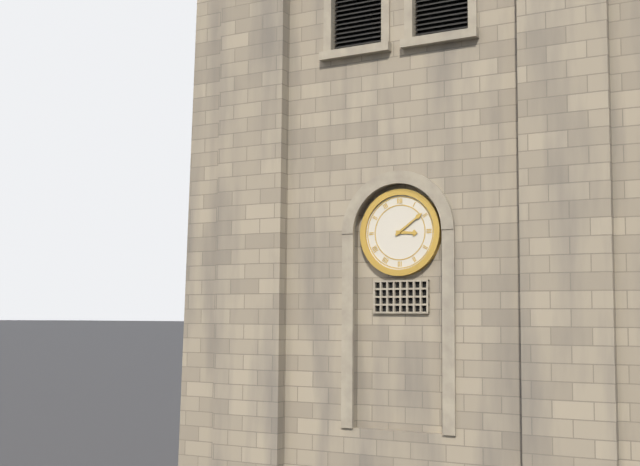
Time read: 3:09
